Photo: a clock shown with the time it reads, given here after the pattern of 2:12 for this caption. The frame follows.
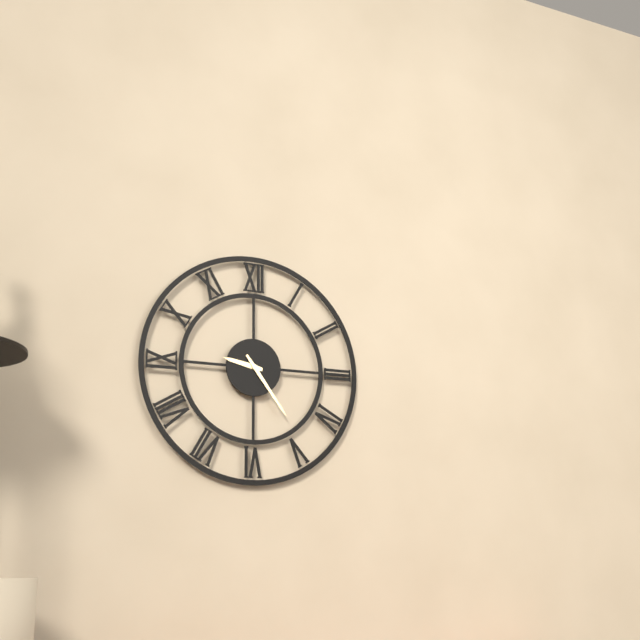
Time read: 9:24
